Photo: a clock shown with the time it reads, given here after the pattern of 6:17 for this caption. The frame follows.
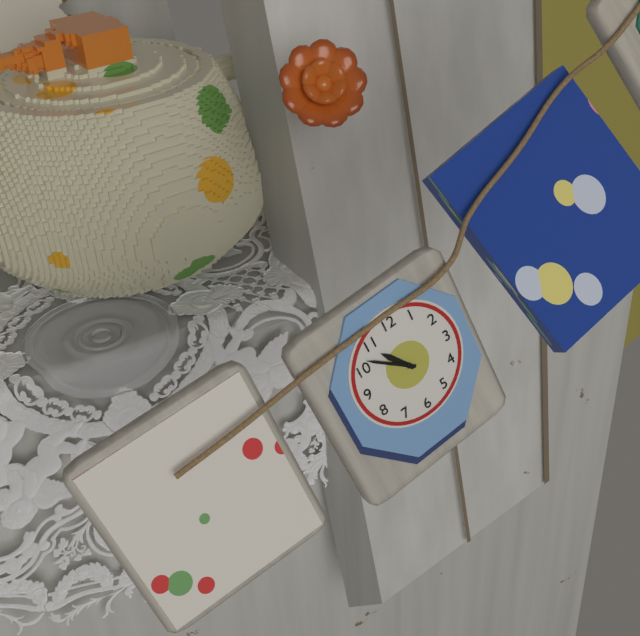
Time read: 10:52
